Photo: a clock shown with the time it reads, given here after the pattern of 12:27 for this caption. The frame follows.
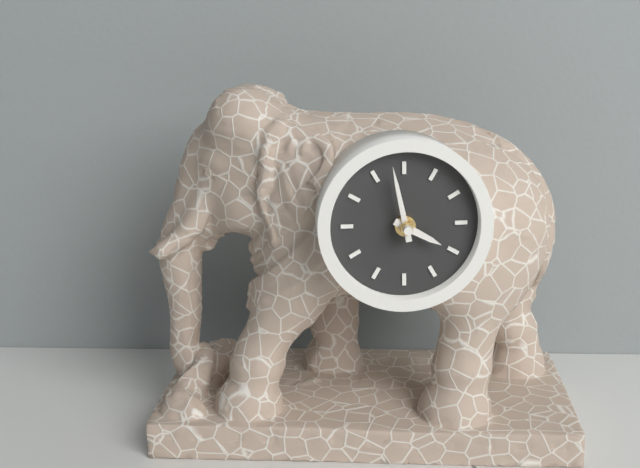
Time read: 3:58
